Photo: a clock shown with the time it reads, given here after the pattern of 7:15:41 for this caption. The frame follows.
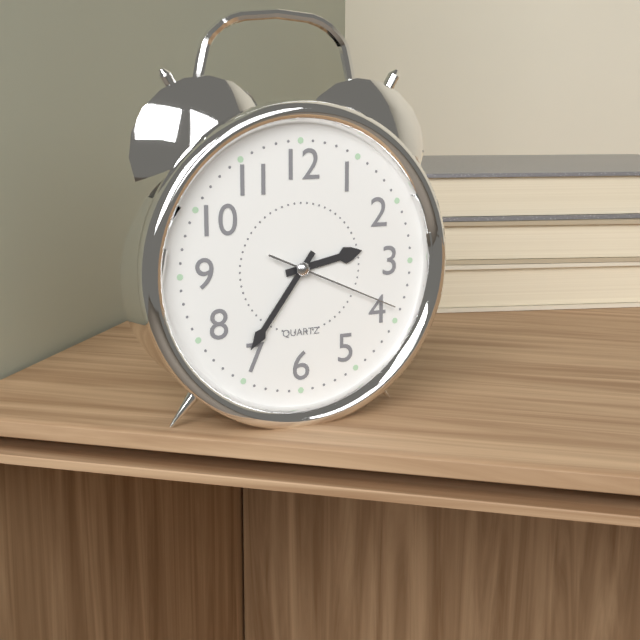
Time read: 2:36:19
